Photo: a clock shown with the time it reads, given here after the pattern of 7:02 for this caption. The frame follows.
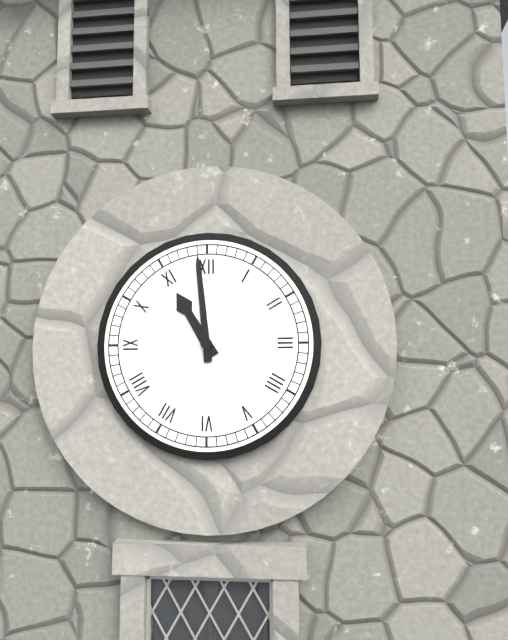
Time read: 10:59
